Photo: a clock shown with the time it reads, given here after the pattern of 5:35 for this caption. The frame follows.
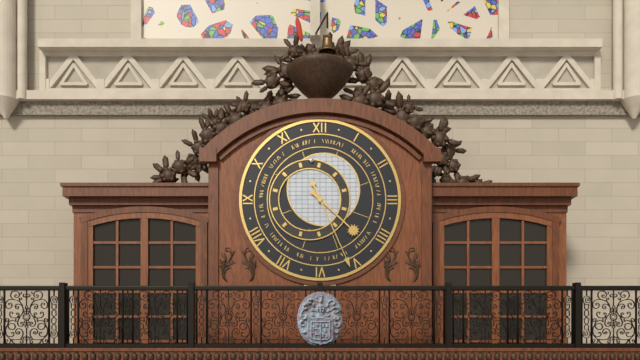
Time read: 4:26
